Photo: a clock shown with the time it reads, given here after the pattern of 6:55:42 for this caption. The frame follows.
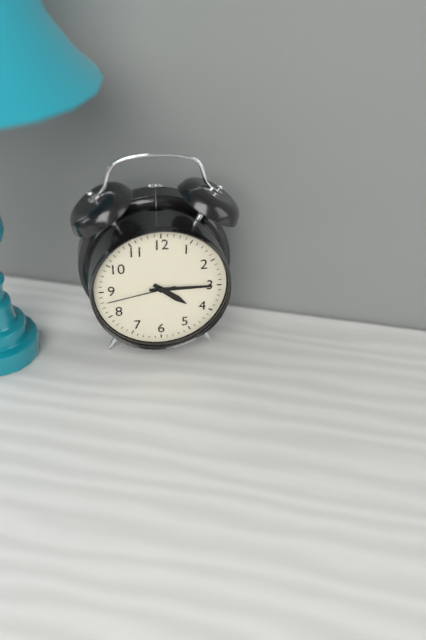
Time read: 4:15:43
